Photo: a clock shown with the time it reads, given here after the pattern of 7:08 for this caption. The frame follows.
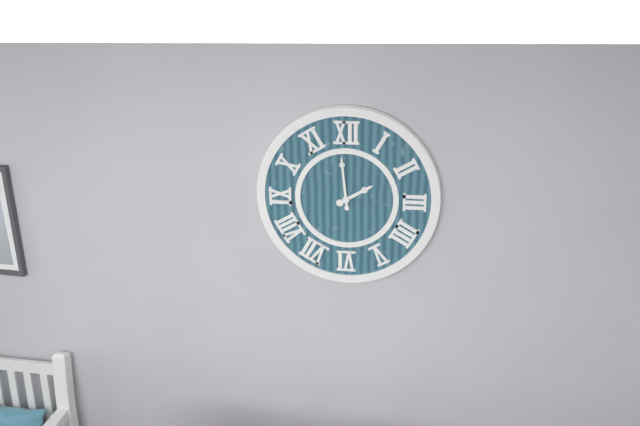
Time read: 1:59
